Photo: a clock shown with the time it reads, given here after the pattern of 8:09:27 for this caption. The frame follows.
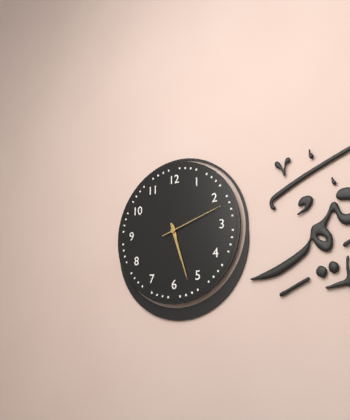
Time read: 5:27:12
